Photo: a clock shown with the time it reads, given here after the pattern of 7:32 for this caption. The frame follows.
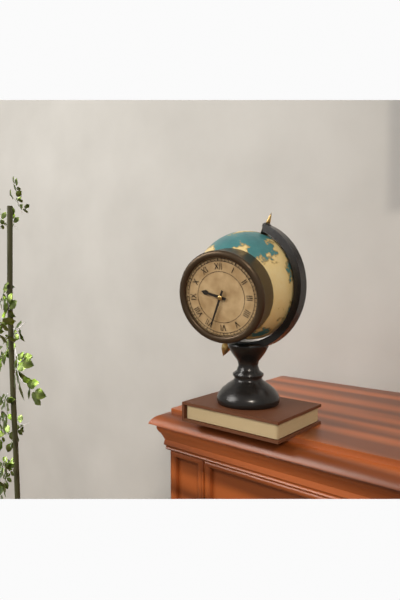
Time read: 9:34
